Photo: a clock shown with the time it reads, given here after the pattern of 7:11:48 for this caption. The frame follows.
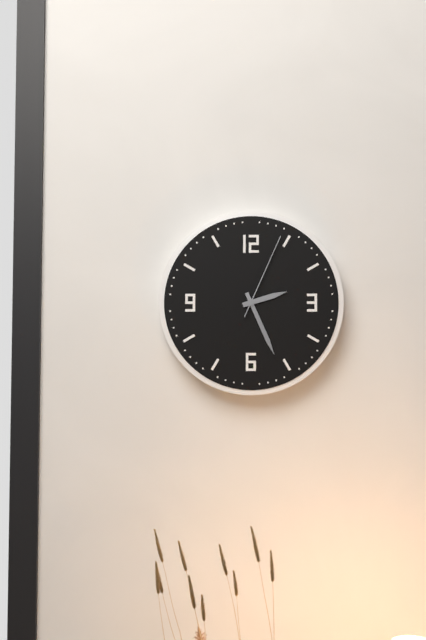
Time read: 2:26:04
